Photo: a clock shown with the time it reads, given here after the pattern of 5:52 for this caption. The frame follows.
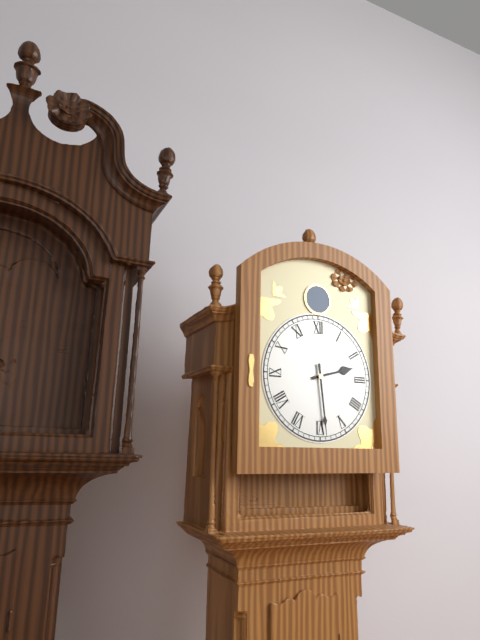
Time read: 2:29
